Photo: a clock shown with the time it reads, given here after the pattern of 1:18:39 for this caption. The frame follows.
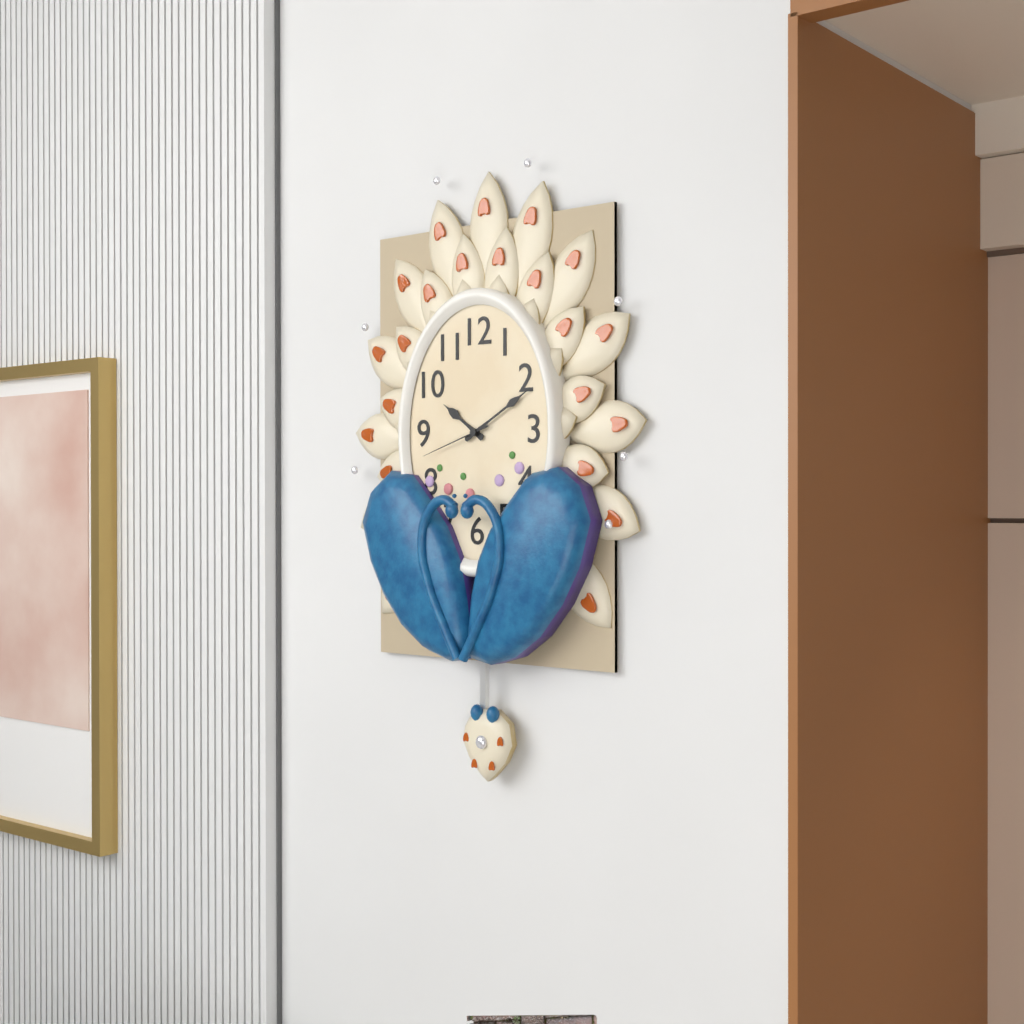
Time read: 10:10:42
